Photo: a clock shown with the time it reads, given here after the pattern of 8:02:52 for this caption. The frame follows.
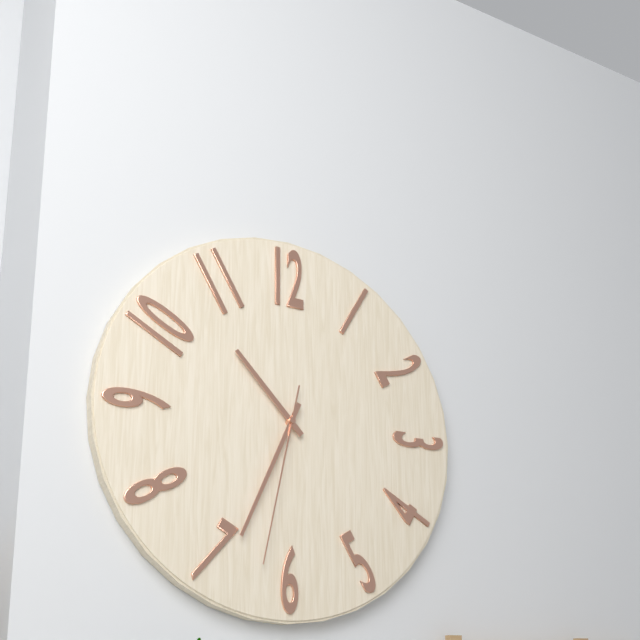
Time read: 10:34:32
